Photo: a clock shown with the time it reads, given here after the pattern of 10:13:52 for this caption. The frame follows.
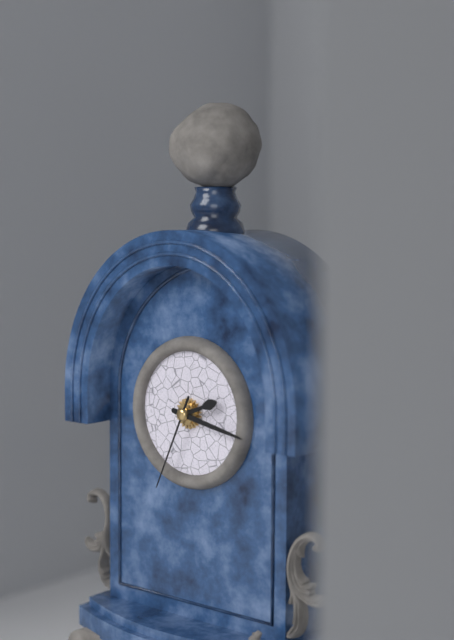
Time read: 2:17:34
